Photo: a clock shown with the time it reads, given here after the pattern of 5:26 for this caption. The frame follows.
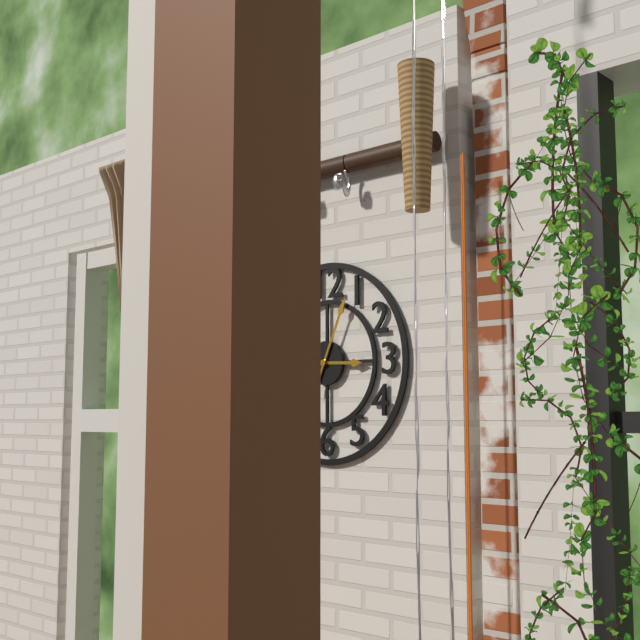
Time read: 3:04
